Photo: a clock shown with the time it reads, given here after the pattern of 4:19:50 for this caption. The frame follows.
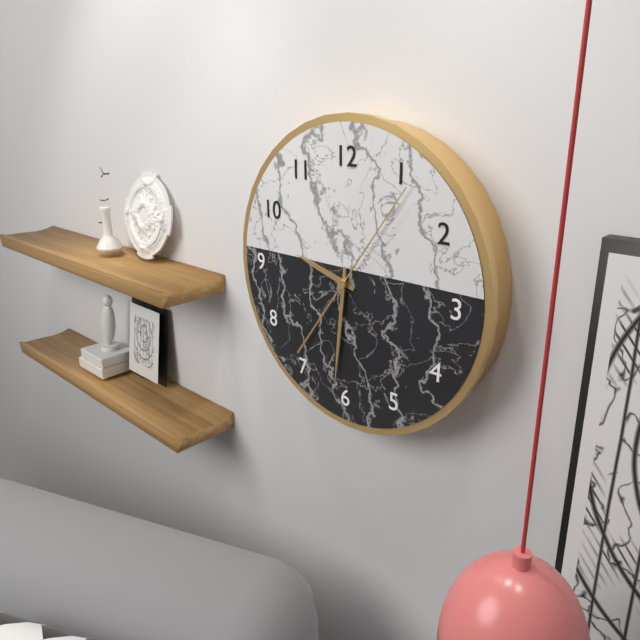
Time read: 9:31:06
